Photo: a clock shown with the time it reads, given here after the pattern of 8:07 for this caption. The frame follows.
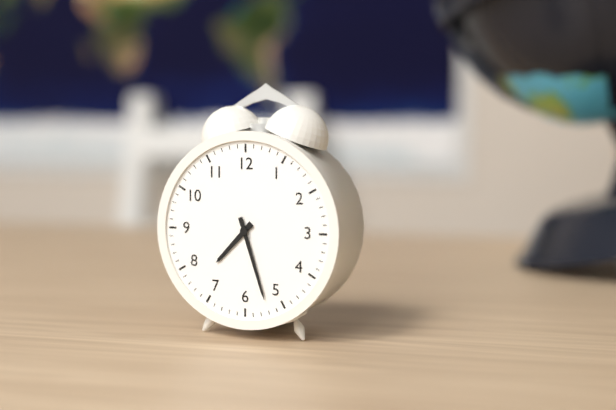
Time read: 7:27
